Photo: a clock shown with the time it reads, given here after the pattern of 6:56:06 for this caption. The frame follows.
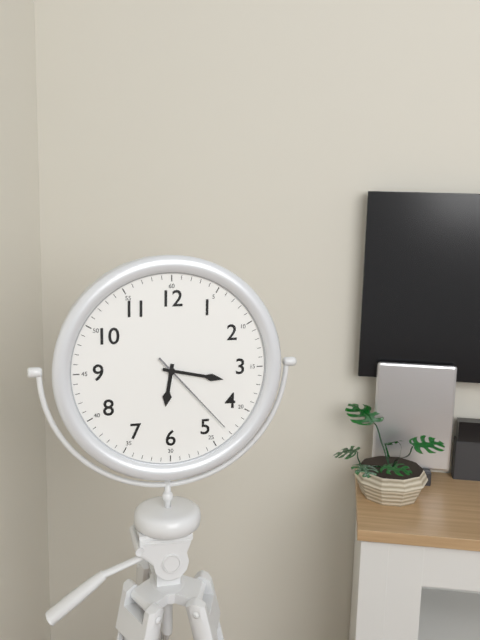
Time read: 6:17:23
